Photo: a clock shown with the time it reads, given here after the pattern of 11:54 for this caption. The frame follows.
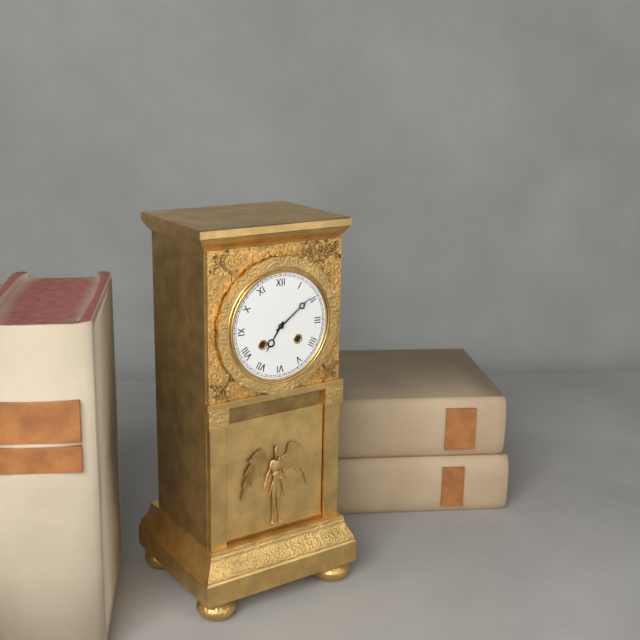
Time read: 7:09
